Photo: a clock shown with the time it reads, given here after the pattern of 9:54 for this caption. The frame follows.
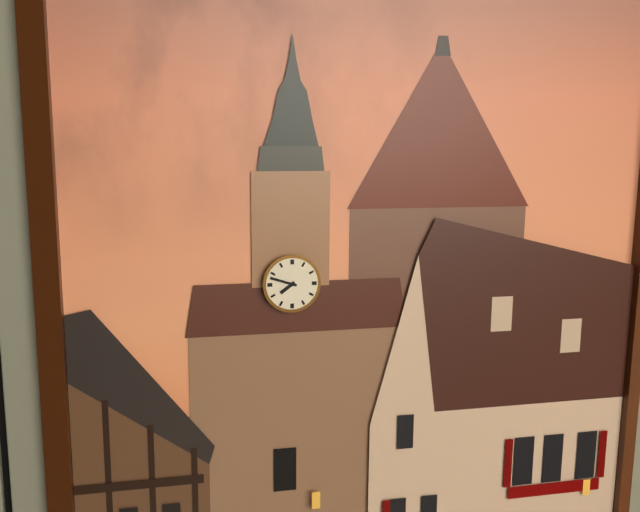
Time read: 7:48
